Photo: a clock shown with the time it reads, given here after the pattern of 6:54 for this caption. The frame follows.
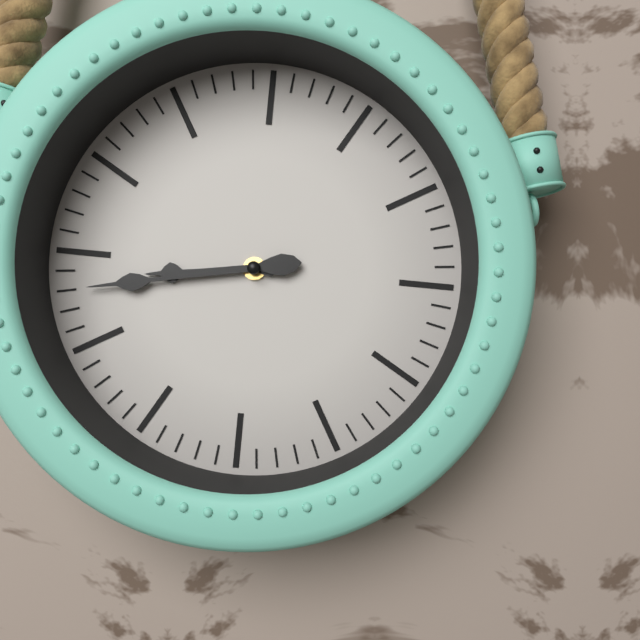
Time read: 8:43
